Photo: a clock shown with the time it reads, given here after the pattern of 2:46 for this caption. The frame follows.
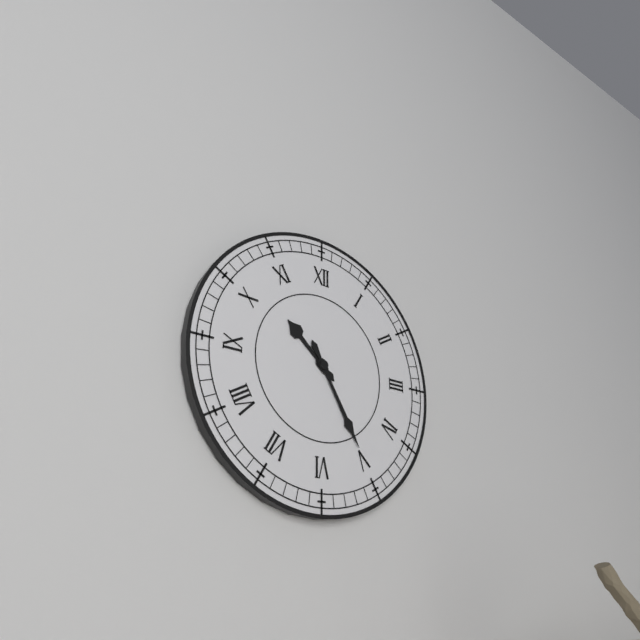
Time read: 10:25
